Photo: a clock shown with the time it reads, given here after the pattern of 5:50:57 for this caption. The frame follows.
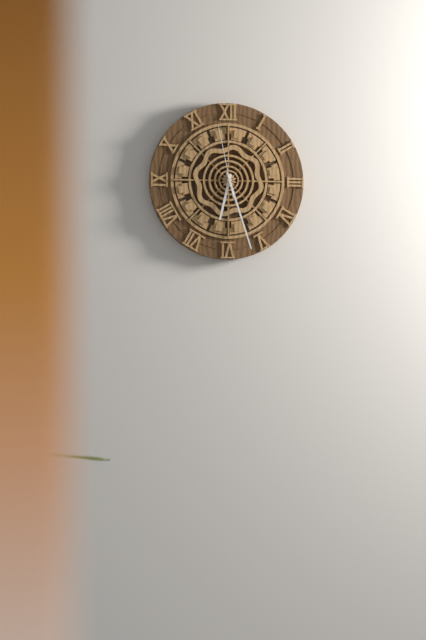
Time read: 6:27:58
